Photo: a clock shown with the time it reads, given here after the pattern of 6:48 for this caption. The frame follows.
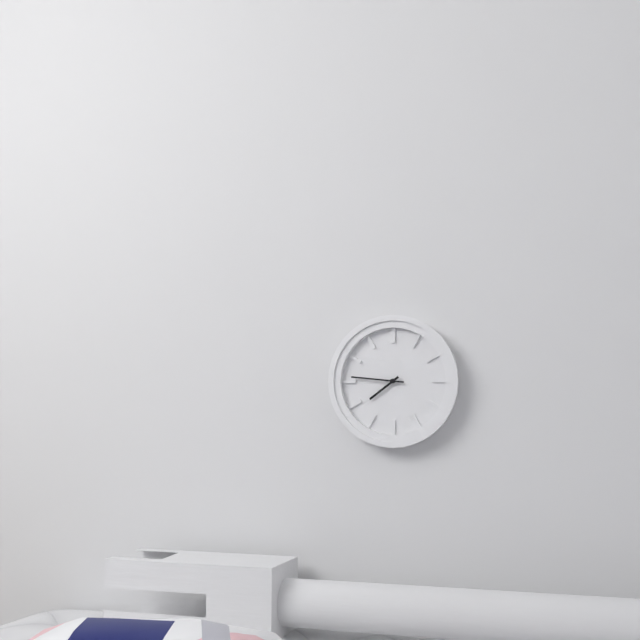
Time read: 7:46
